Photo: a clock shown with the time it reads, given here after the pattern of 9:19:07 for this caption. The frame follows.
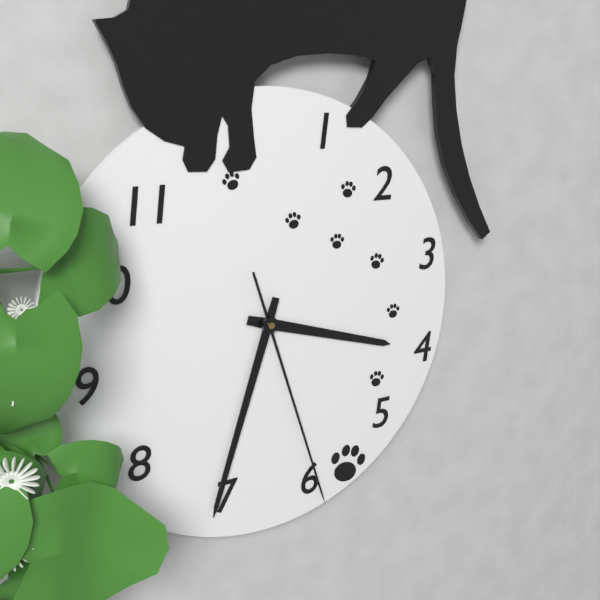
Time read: 3:33:27
